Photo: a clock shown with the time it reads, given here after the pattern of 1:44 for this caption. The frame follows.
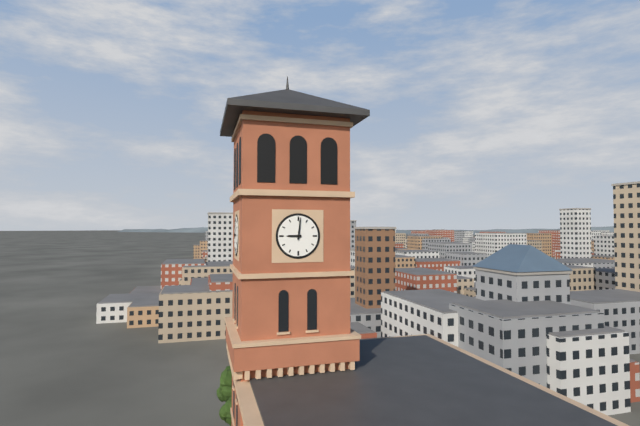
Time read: 9:01
